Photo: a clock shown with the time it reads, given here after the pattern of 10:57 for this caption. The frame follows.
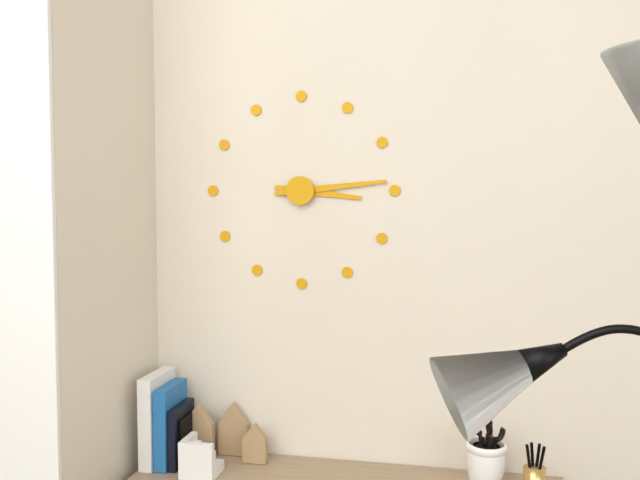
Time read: 3:14
